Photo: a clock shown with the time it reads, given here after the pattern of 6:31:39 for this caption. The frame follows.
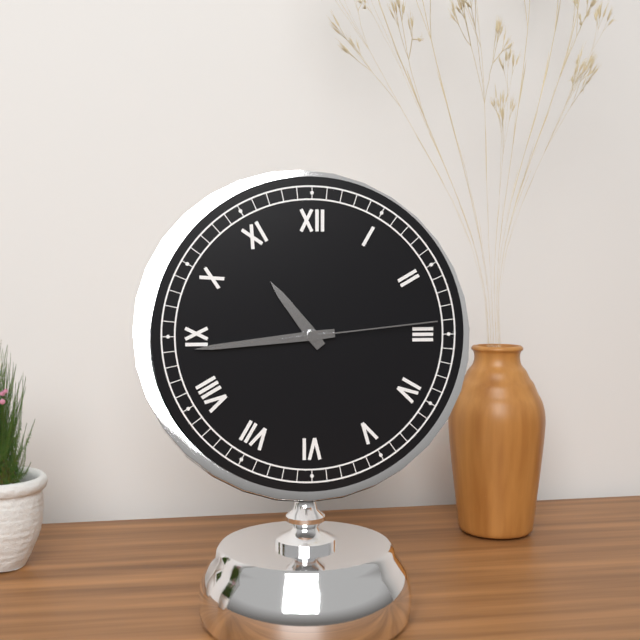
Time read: 10:44:14
